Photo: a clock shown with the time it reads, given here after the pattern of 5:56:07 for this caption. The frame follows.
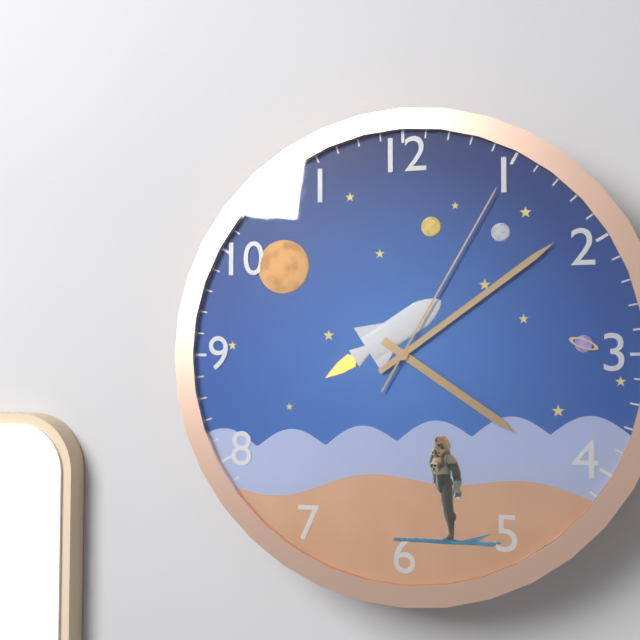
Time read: 4:09:05
